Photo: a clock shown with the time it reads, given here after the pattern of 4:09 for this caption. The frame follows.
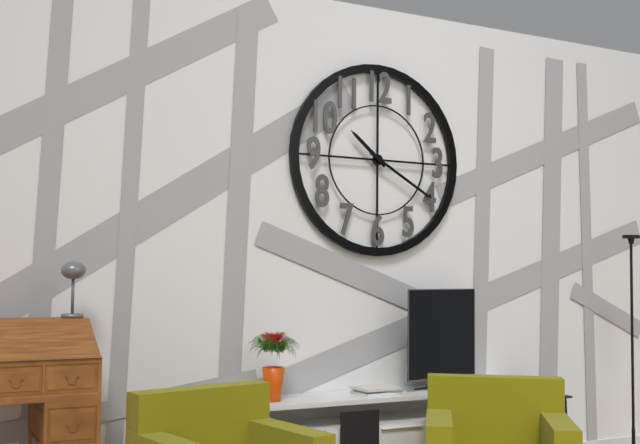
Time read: 10:20
